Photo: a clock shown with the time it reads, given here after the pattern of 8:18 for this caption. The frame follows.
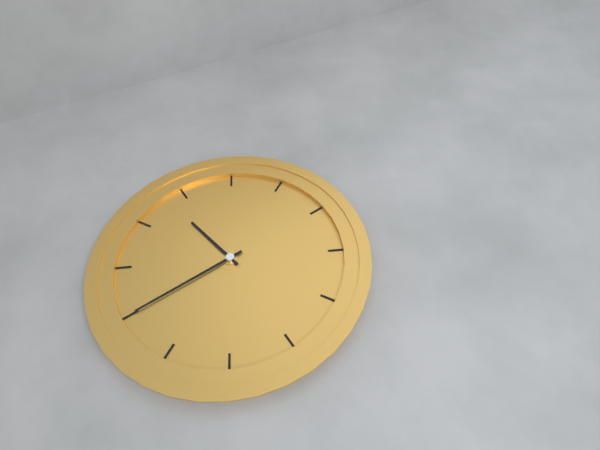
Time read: 10:40
